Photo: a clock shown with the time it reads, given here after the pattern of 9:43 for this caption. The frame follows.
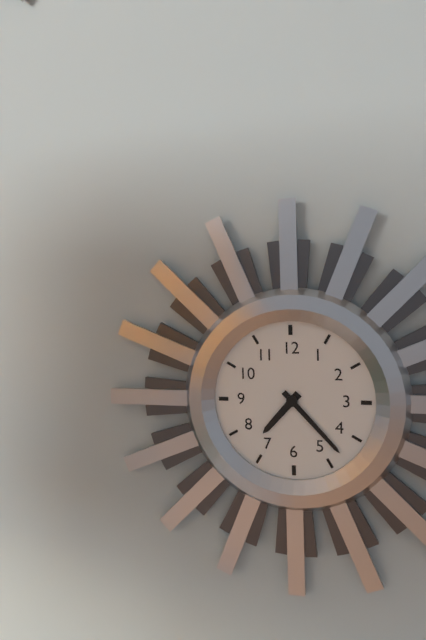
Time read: 7:23
